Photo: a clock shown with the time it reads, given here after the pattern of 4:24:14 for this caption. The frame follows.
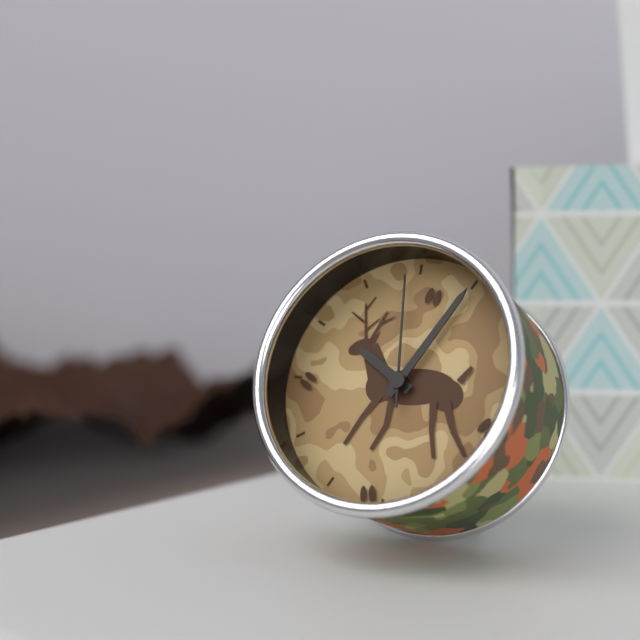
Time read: 10:05:59
